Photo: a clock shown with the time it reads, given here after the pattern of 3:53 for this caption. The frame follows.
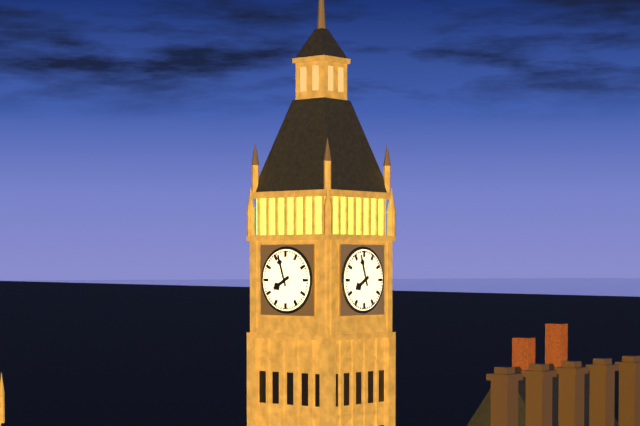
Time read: 7:57
